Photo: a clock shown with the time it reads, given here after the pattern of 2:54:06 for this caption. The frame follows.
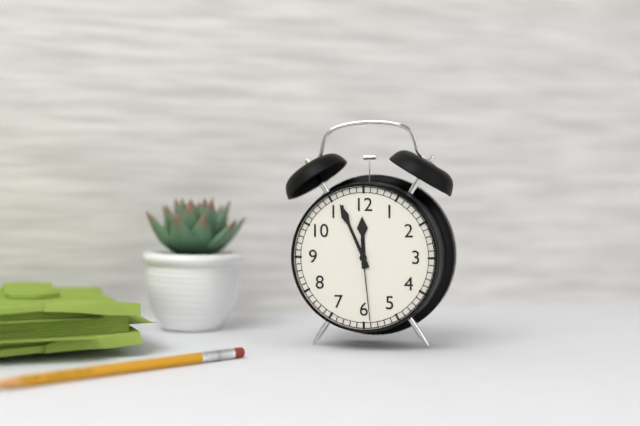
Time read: 11:56:29
